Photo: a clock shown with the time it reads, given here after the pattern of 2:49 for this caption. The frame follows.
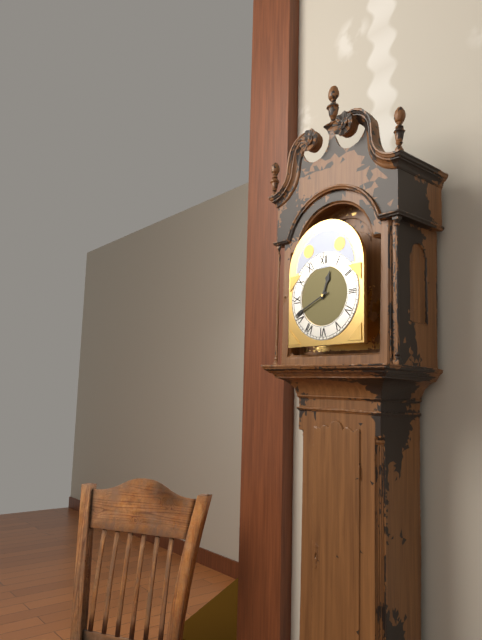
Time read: 12:41
